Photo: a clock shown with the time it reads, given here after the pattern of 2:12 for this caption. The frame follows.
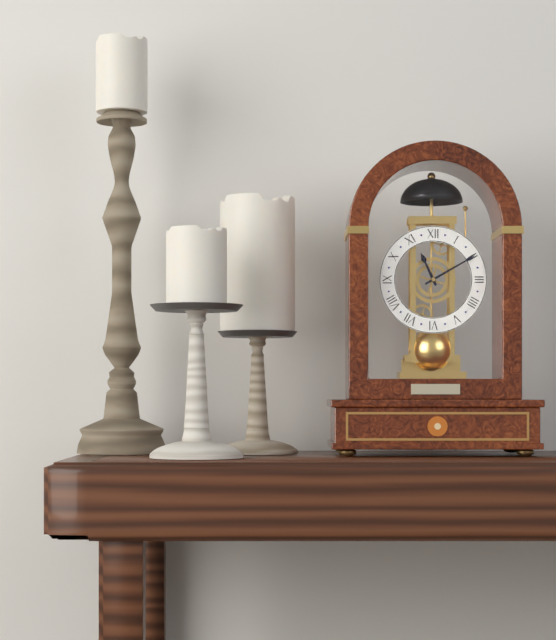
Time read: 11:10
